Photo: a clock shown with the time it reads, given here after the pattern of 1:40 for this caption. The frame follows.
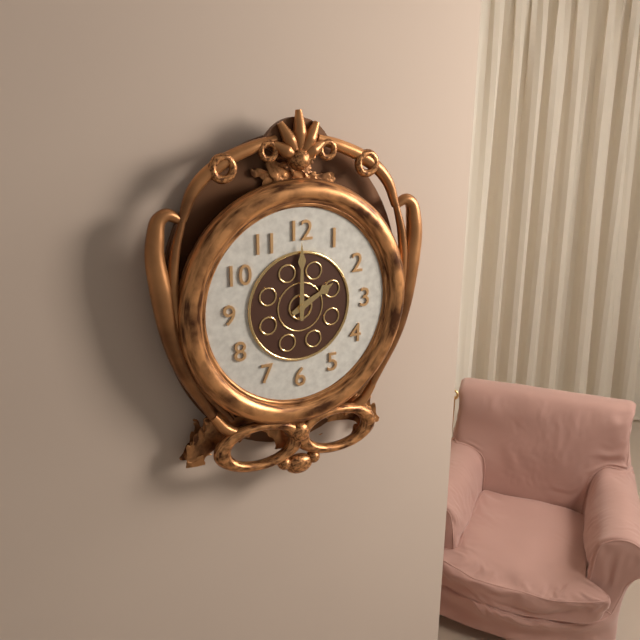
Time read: 2:00
